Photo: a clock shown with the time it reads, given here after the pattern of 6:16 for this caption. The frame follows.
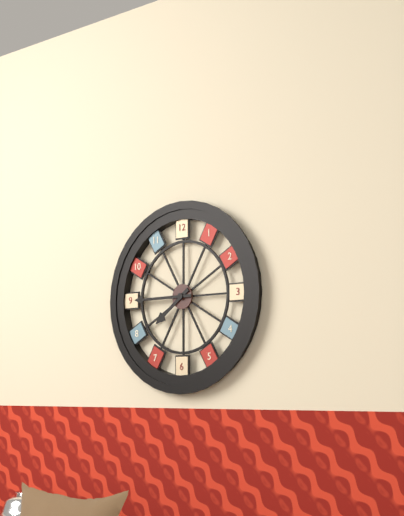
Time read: 7:45
